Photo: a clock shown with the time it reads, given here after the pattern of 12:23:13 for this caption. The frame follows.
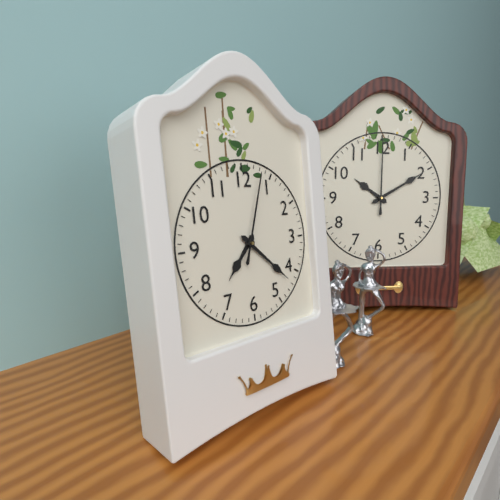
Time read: 7:22:03
